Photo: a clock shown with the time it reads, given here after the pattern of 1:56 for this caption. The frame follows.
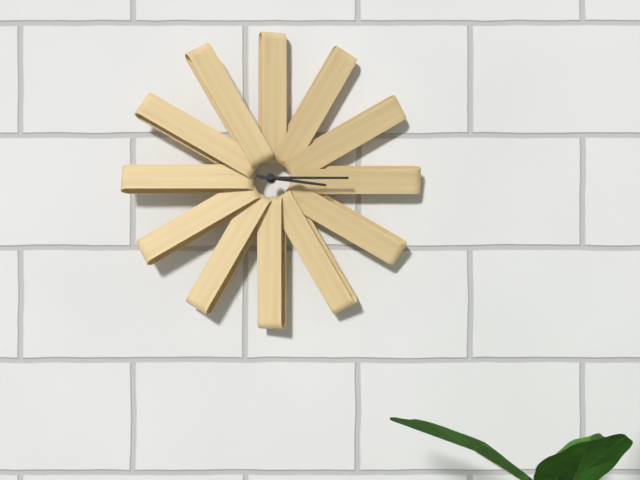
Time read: 3:15
